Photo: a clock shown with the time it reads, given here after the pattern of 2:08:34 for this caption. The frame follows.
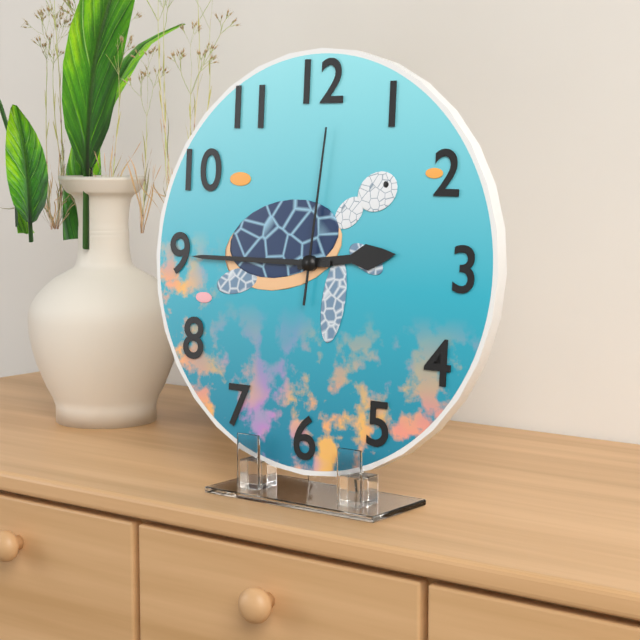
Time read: 2:45:01
